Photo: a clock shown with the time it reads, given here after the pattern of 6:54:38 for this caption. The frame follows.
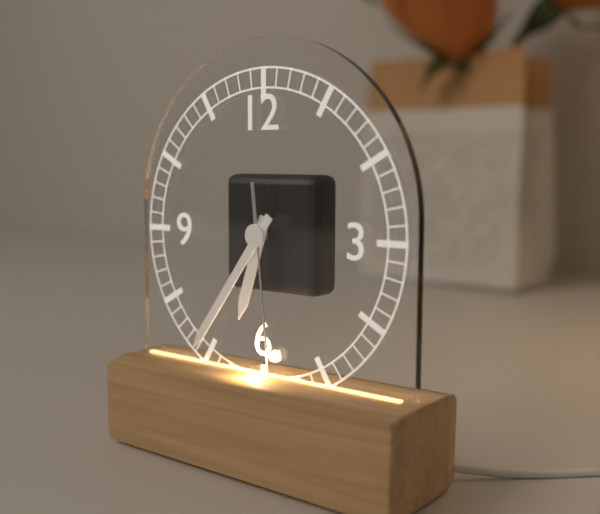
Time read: 6:36:29
